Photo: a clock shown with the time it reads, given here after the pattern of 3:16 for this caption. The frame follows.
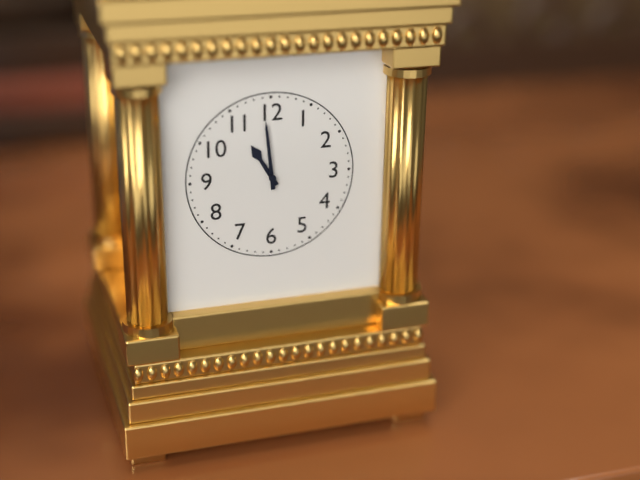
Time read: 10:59
